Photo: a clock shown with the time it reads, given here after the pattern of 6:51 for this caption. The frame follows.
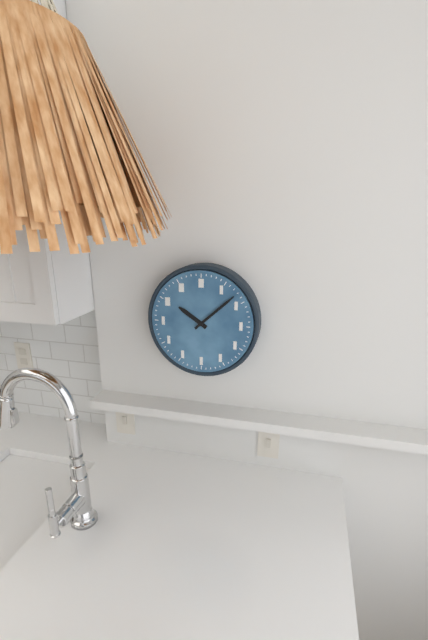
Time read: 10:08
